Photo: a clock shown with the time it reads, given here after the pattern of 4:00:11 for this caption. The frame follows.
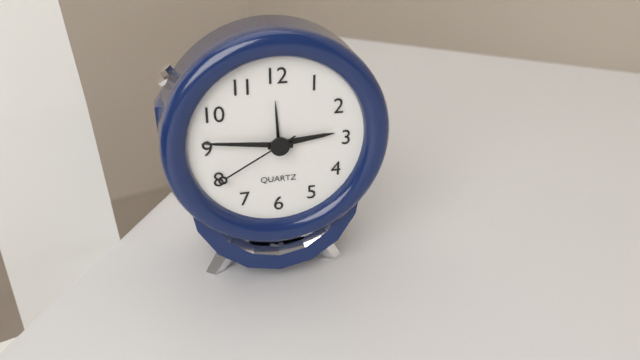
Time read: 2:46:40
